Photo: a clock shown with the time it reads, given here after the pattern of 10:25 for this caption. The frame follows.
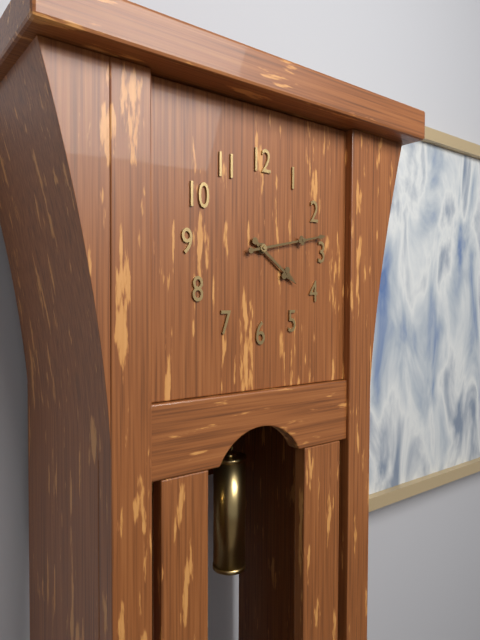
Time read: 4:13
